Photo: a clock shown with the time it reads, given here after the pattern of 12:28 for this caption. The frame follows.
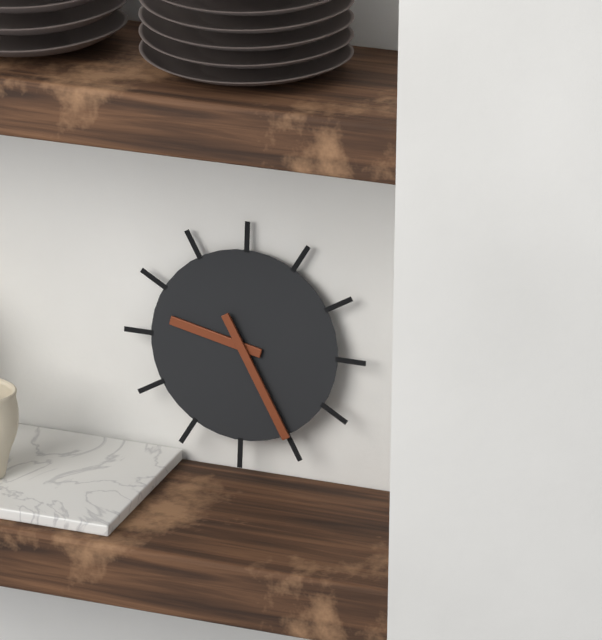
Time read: 9:25
